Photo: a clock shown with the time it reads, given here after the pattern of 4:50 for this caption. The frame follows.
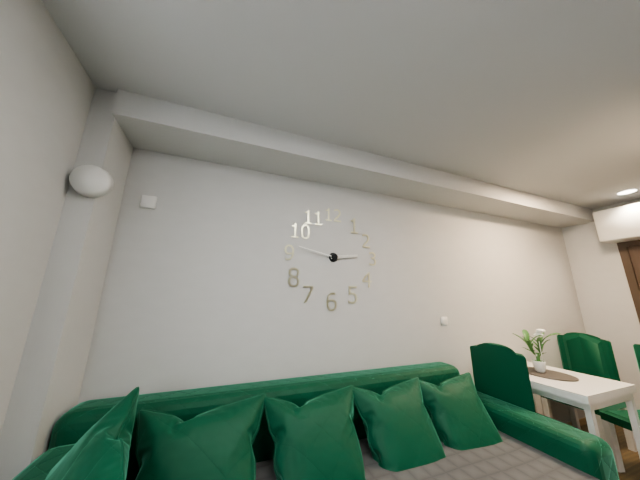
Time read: 2:47
